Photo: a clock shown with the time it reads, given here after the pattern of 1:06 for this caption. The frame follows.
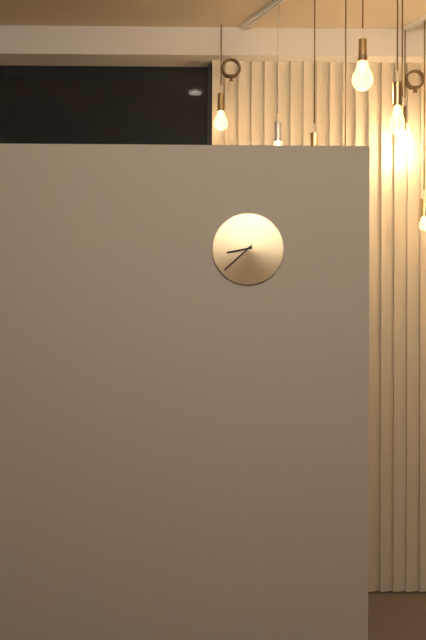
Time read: 8:38
